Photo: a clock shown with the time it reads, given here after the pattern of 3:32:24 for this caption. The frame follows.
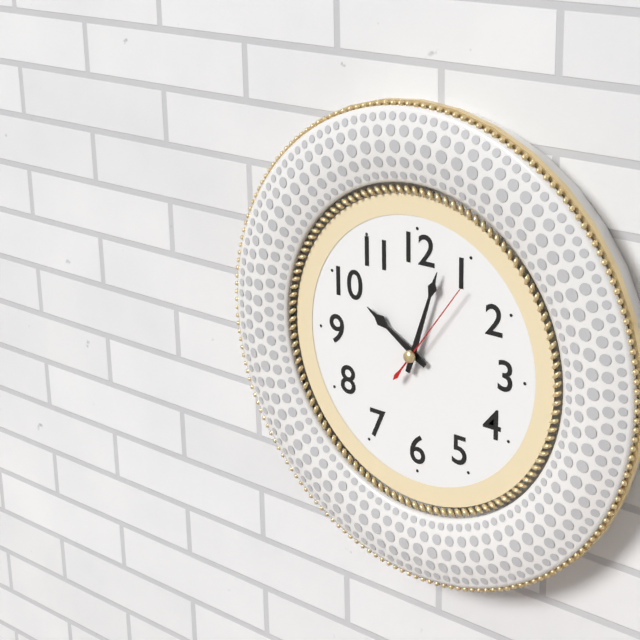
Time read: 10:03:06
